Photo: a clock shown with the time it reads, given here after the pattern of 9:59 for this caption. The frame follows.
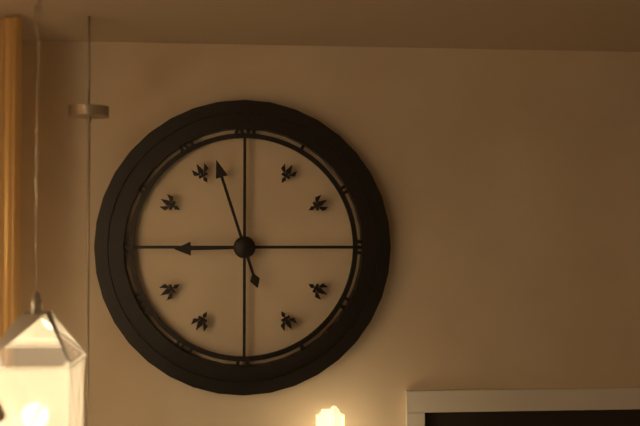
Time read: 8:57
